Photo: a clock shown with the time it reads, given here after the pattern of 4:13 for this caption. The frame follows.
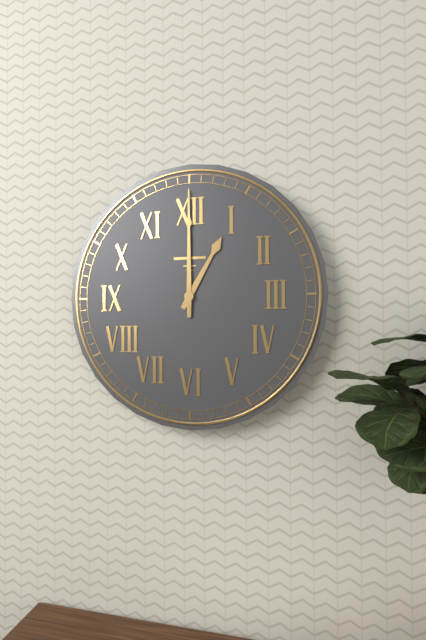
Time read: 1:00
